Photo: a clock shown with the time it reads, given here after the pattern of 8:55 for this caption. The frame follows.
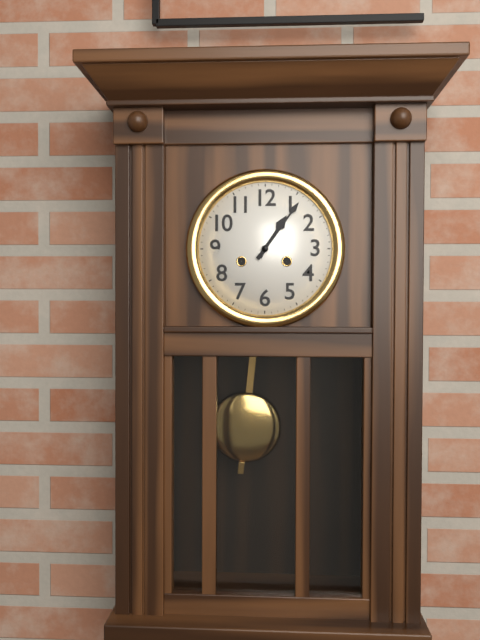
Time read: 1:06
